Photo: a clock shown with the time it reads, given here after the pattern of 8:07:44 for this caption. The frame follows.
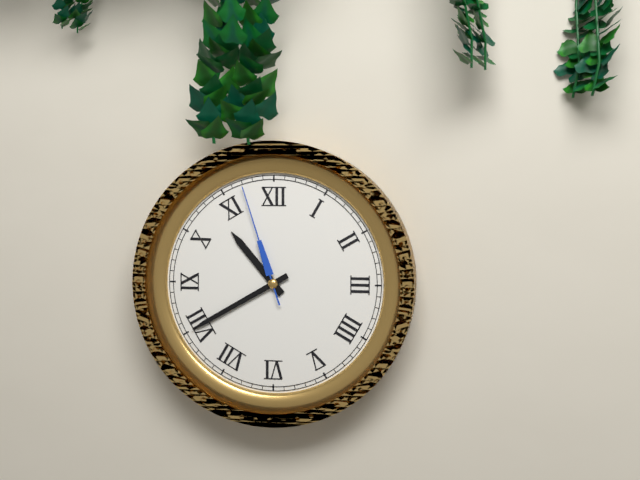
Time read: 10:40:57
